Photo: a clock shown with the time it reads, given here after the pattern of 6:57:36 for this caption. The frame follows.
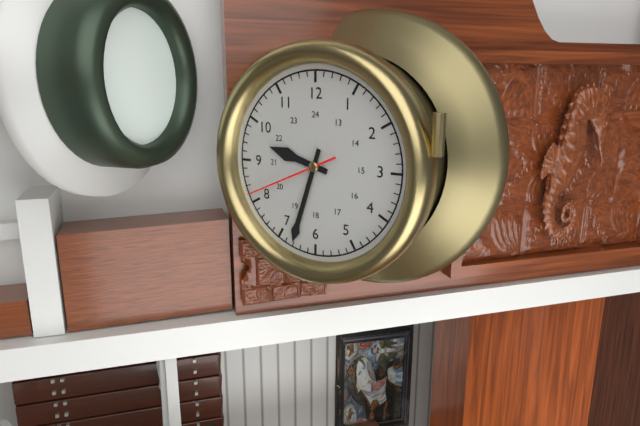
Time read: 9:33:41
